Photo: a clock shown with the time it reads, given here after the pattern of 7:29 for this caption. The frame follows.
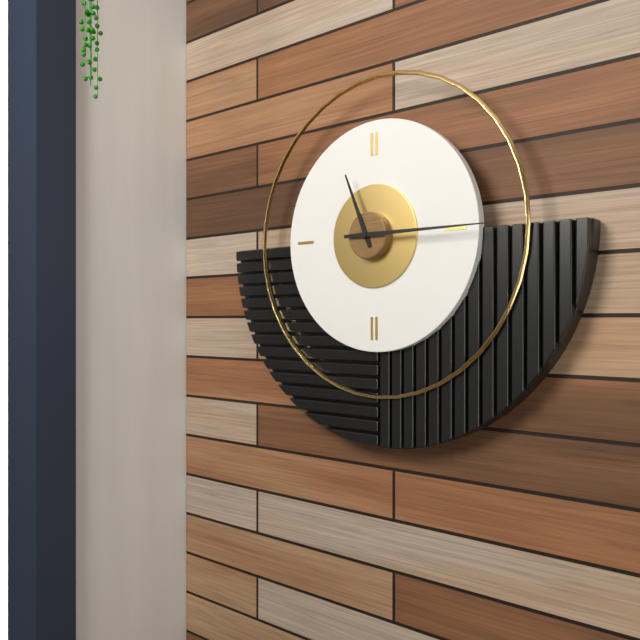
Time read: 11:15
